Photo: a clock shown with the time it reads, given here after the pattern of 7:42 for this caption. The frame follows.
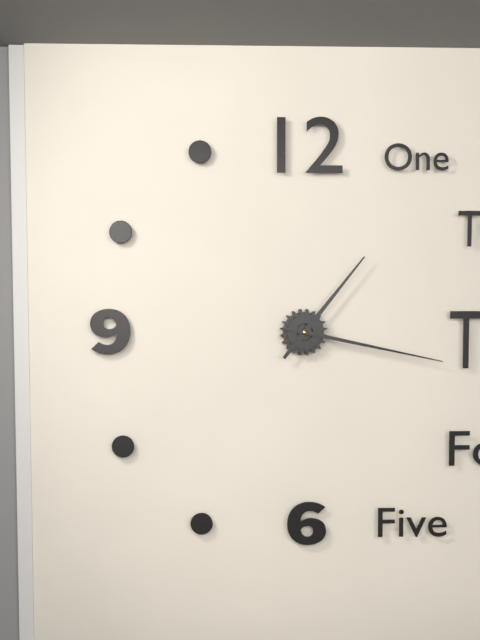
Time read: 1:17
